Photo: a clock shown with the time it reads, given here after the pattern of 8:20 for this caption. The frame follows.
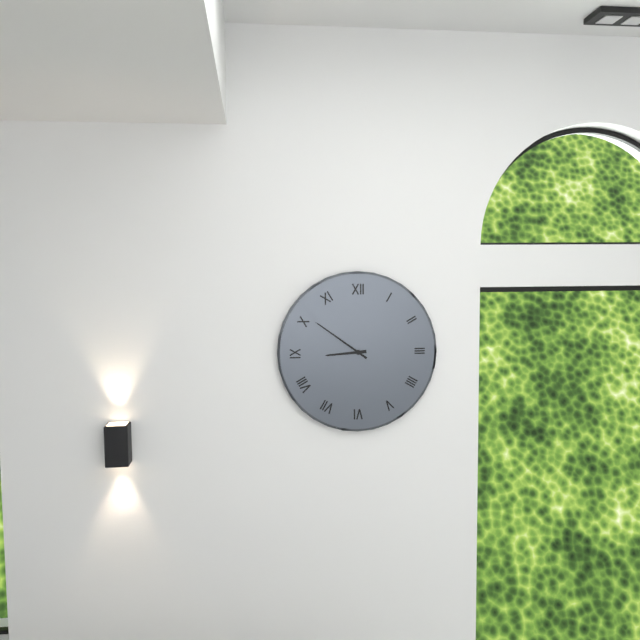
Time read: 8:51
